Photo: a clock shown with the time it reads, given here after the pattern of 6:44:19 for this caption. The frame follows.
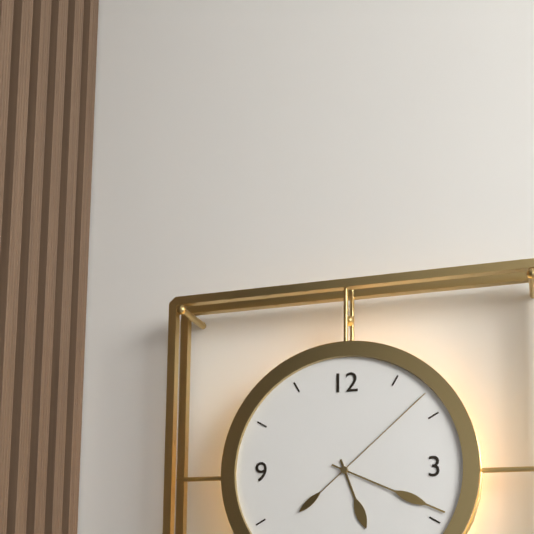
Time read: 5:19:08
